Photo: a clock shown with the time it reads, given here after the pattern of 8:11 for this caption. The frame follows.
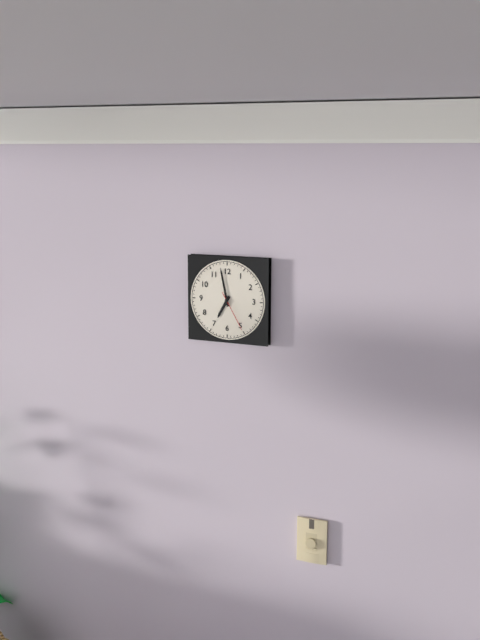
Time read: 6:58
